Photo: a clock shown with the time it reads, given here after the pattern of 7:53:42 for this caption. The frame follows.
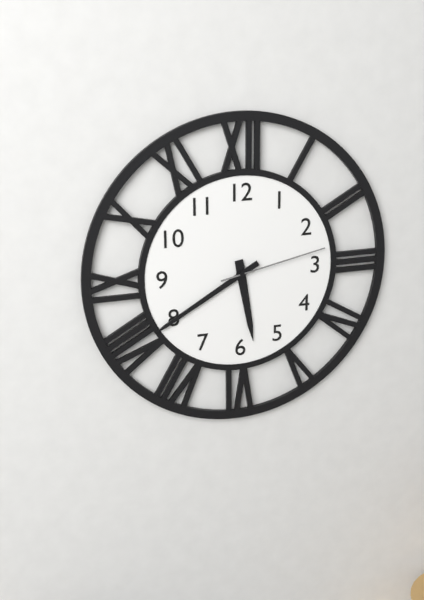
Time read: 5:40:13
